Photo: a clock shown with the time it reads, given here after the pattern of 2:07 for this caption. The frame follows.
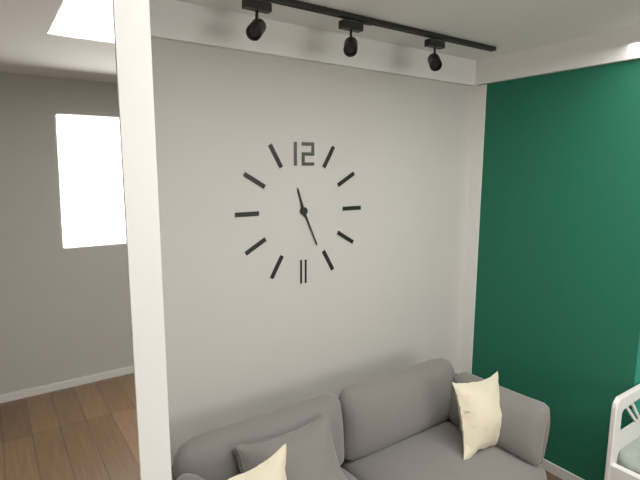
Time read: 11:26
